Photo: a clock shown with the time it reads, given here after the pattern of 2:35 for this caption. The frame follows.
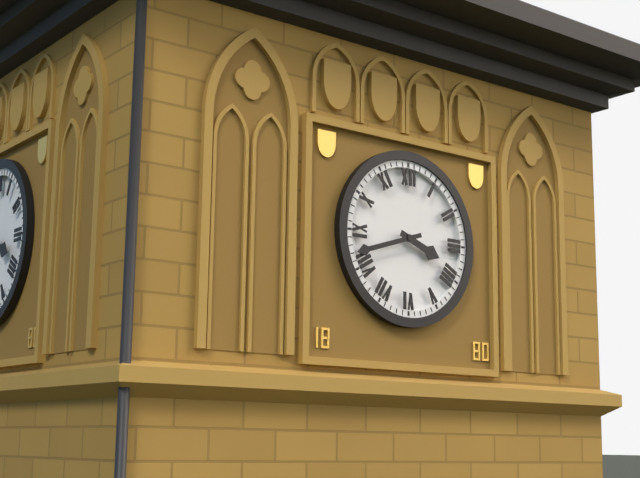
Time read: 3:42
